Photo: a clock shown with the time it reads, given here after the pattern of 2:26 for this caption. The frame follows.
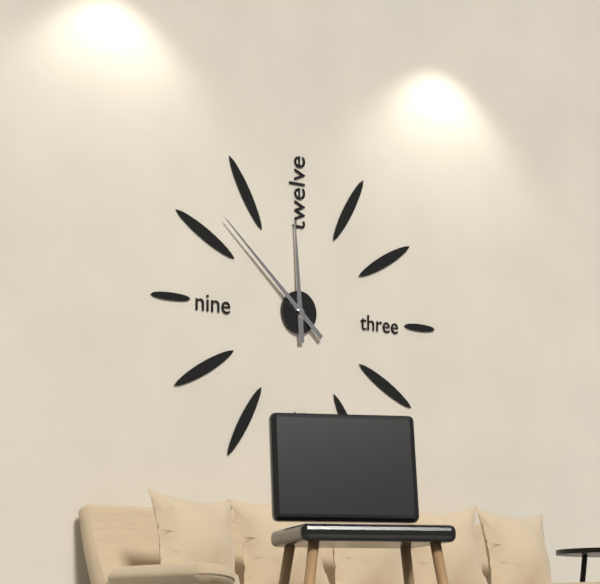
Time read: 11:52
